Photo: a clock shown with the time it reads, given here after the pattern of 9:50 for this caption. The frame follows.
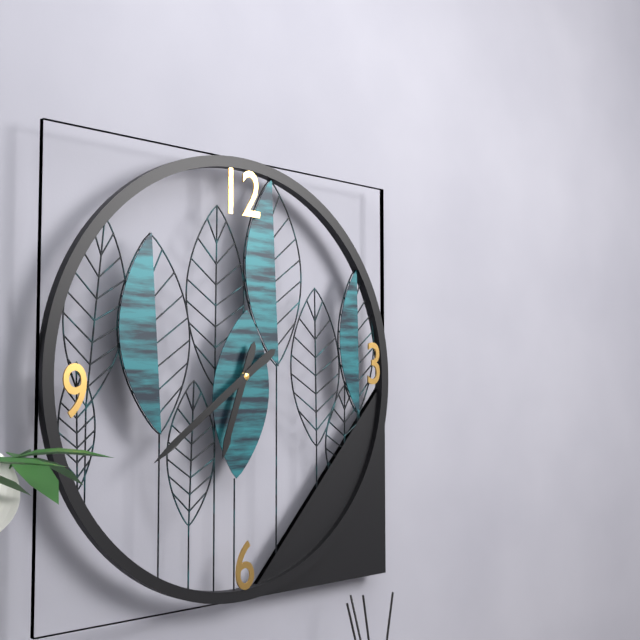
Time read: 6:39
